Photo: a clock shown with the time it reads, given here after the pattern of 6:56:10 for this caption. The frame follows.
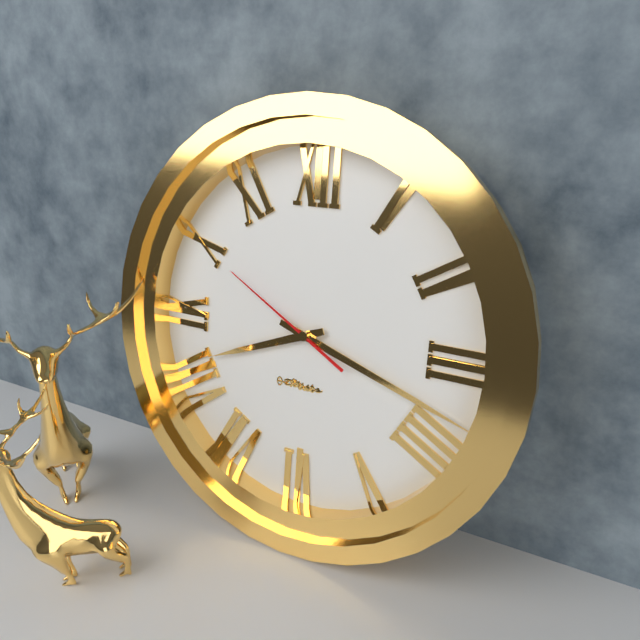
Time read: 8:18:50
